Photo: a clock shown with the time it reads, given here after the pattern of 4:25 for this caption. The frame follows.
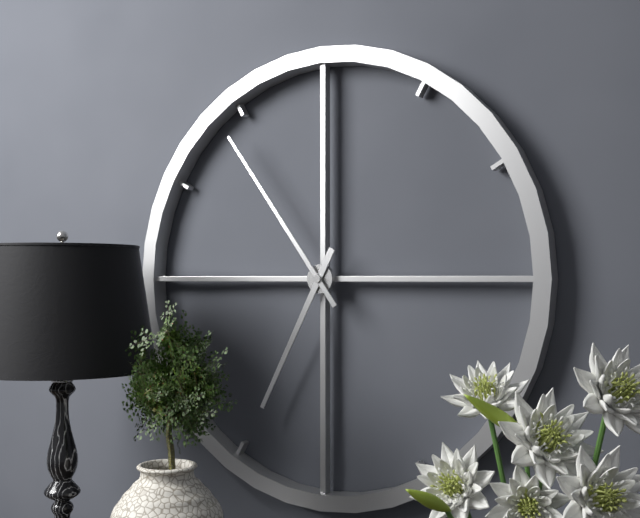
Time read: 6:54
